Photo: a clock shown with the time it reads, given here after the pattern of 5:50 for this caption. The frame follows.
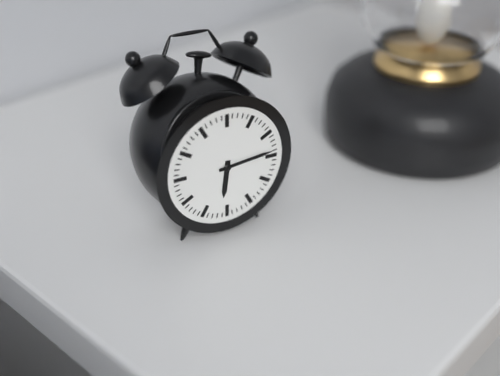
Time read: 6:14
